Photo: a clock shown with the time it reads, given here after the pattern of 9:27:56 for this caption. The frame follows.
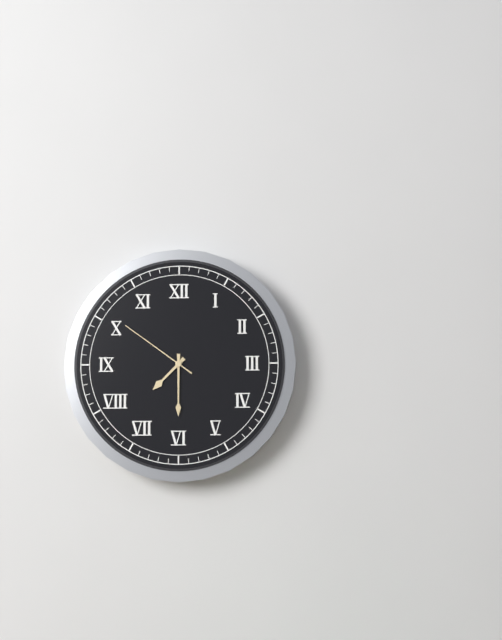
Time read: 7:30:51
